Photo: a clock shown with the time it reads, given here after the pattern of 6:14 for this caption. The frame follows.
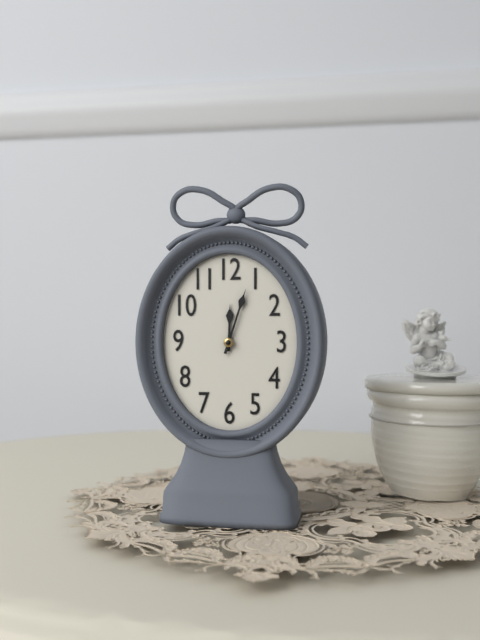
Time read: 12:03
